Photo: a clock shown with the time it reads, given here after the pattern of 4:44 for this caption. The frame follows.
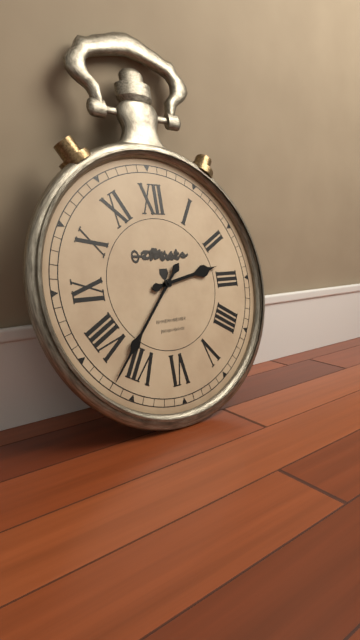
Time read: 2:37
